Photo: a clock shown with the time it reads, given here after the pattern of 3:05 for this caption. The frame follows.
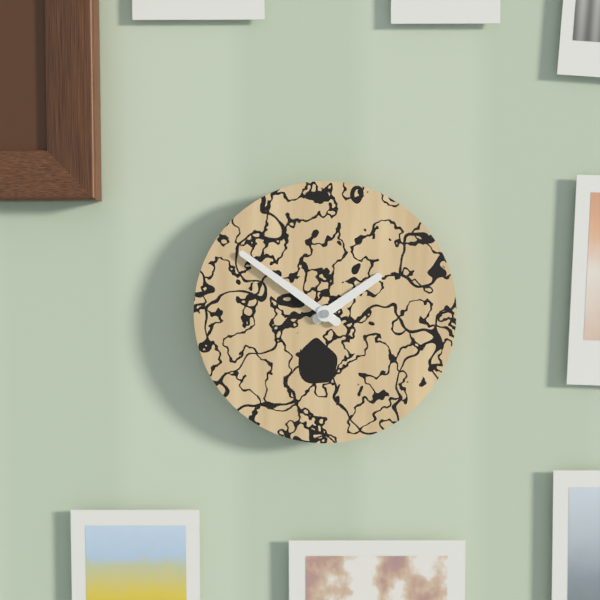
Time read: 1:51
